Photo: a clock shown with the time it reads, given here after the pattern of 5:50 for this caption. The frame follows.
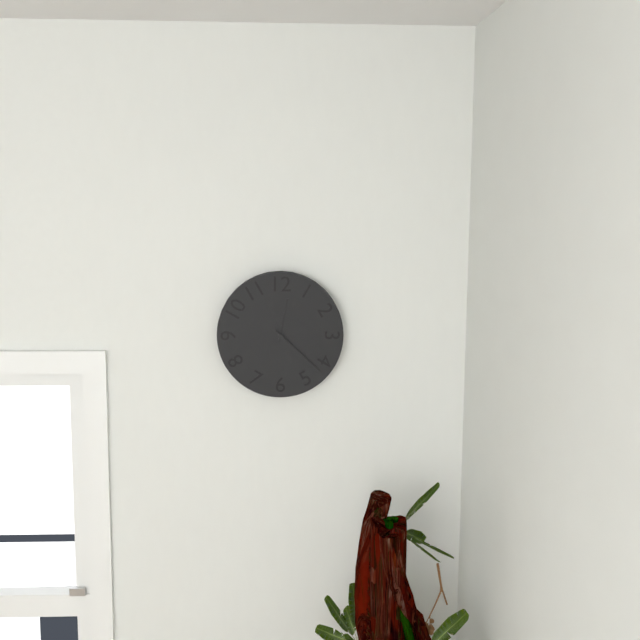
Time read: 12:22
